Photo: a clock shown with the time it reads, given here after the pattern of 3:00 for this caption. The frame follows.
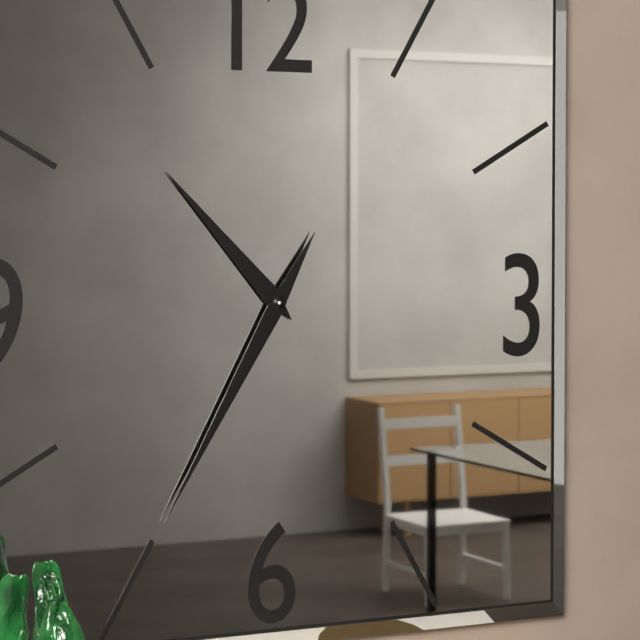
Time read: 10:35
